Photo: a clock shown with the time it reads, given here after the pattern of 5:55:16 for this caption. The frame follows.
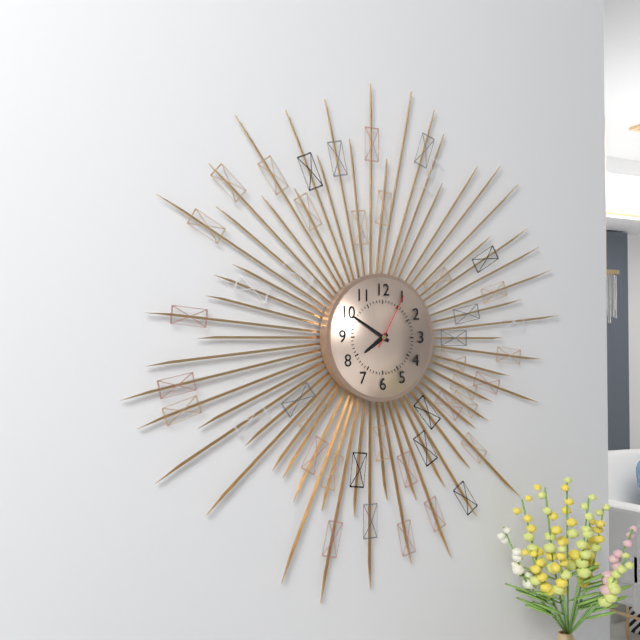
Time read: 7:50:05
